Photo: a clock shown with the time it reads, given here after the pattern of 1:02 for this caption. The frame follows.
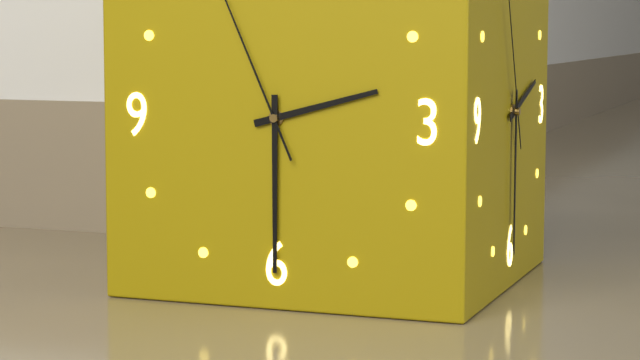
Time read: 2:30
